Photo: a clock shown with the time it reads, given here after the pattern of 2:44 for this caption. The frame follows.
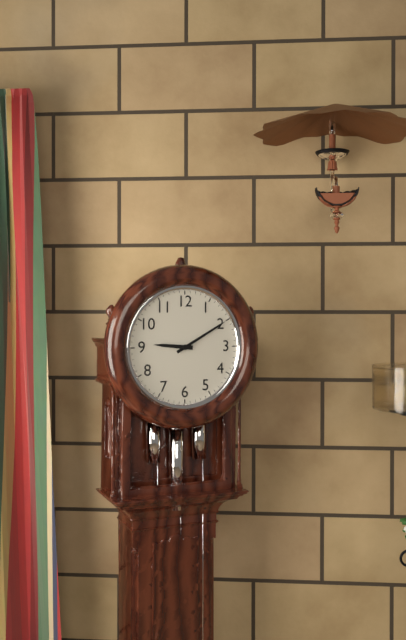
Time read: 9:10
